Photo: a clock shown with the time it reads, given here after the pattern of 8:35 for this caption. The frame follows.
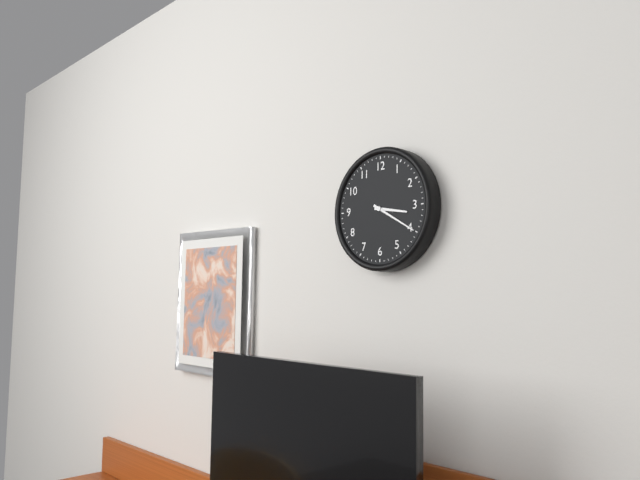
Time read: 3:20
